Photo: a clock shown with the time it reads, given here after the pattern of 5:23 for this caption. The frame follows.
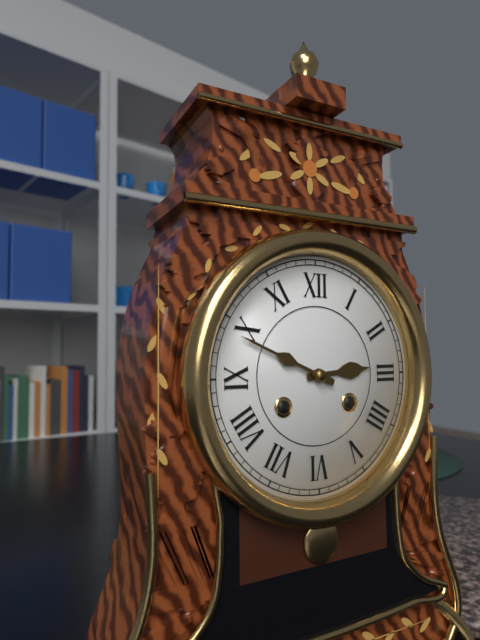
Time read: 2:49
